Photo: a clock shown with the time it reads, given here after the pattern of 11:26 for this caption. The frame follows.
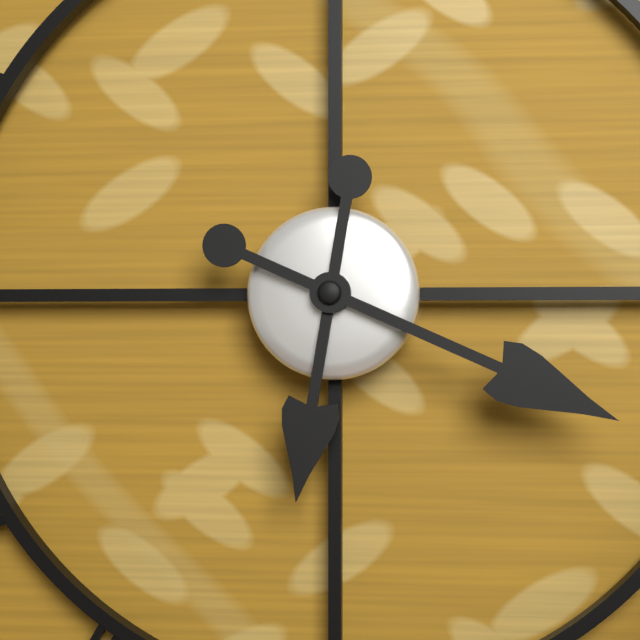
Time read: 6:19
